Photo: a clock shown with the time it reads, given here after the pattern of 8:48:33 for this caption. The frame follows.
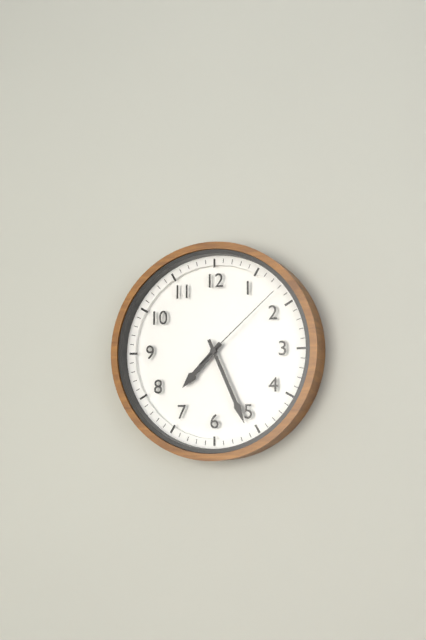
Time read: 7:26:08
